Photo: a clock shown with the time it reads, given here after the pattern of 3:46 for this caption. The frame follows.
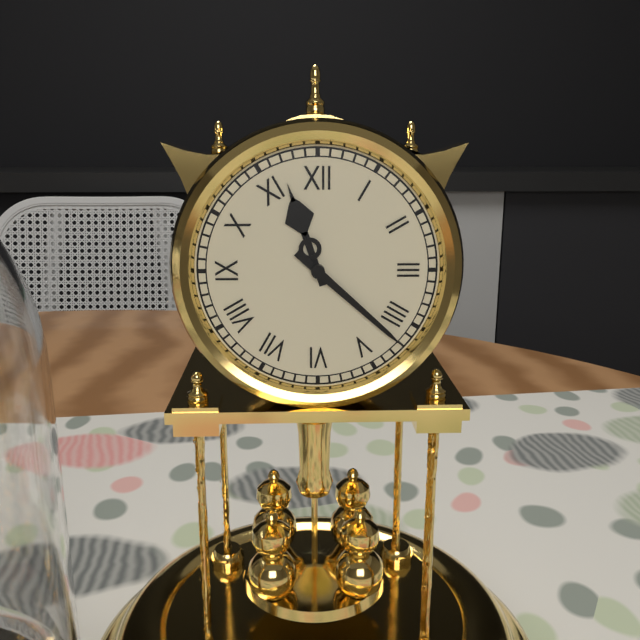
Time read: 11:22
